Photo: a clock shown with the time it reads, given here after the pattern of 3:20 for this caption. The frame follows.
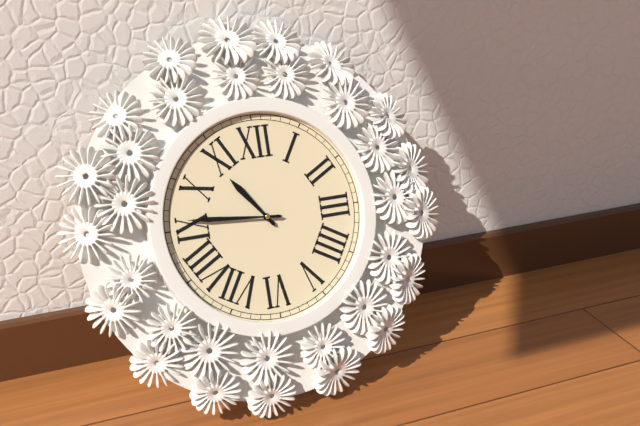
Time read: 10:46
